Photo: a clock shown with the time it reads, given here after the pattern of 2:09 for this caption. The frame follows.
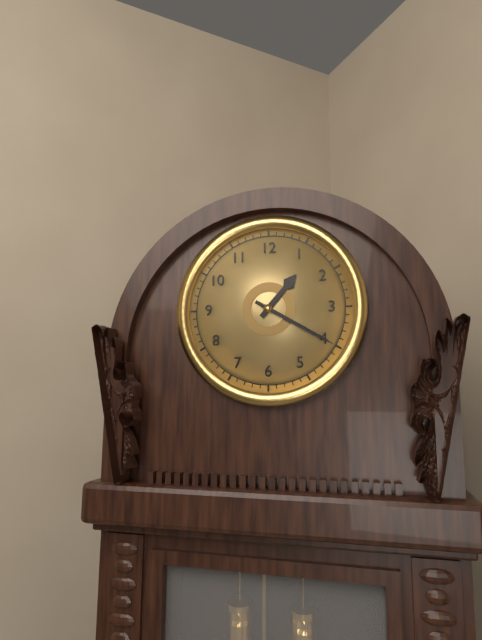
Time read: 1:20
